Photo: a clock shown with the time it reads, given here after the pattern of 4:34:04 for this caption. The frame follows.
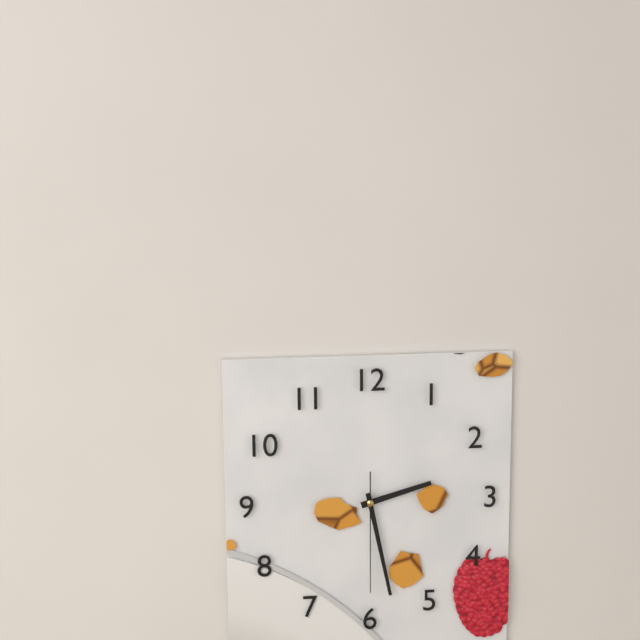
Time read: 2:28:30
